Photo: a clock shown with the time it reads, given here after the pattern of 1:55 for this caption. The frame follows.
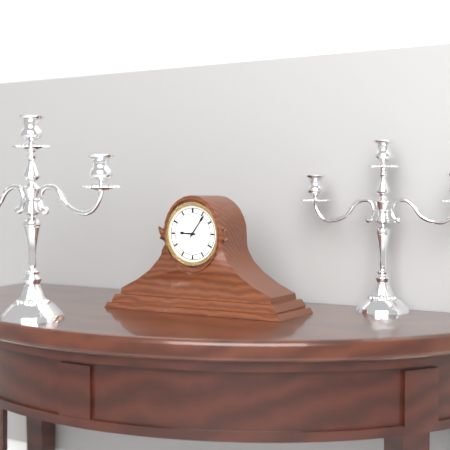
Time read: 9:06
